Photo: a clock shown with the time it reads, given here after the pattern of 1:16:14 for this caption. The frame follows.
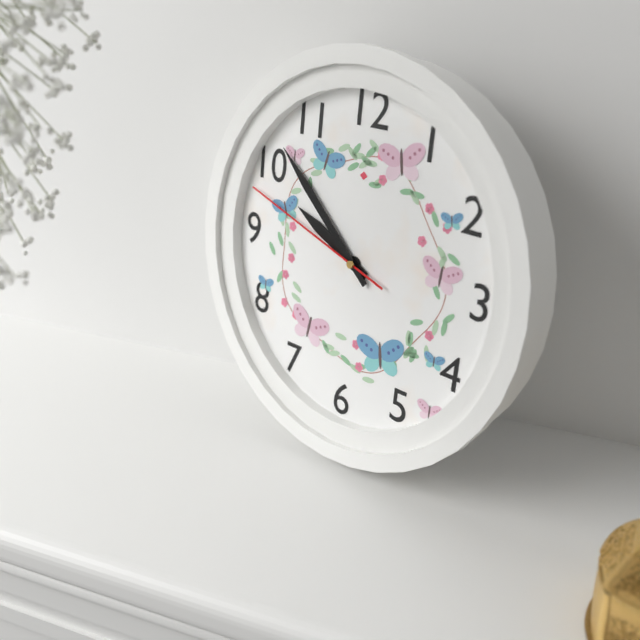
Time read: 9:52:48
